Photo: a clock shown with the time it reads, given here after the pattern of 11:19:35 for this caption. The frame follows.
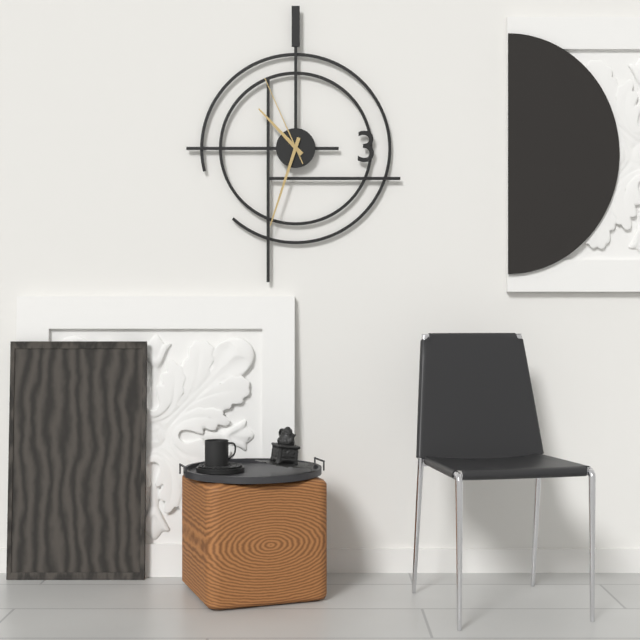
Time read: 10:33:56
